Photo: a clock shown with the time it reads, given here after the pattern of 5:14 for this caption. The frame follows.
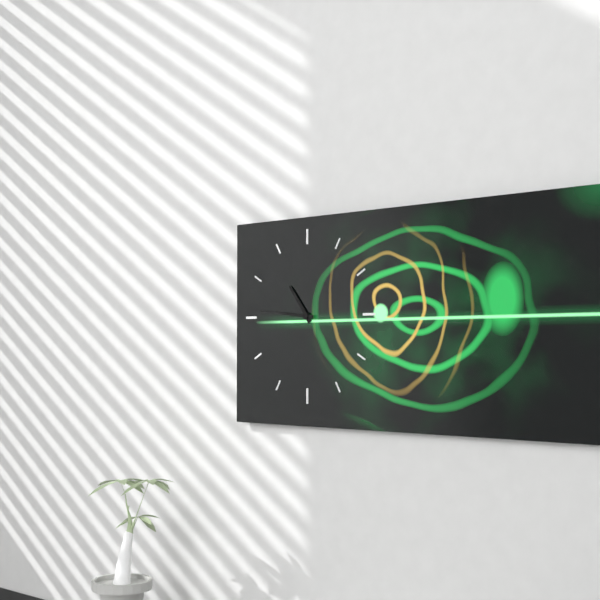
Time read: 10:46
